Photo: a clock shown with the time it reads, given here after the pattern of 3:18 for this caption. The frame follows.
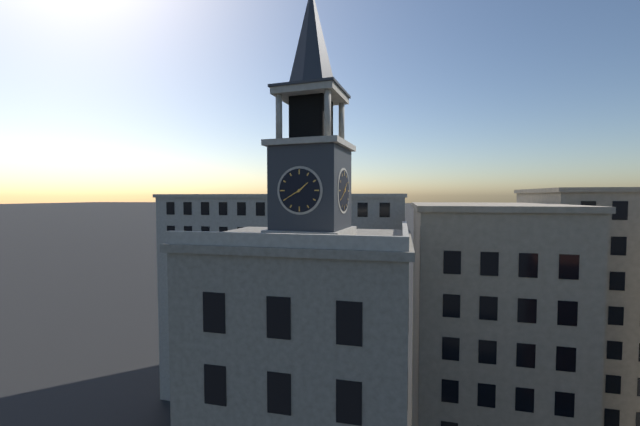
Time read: 1:40
